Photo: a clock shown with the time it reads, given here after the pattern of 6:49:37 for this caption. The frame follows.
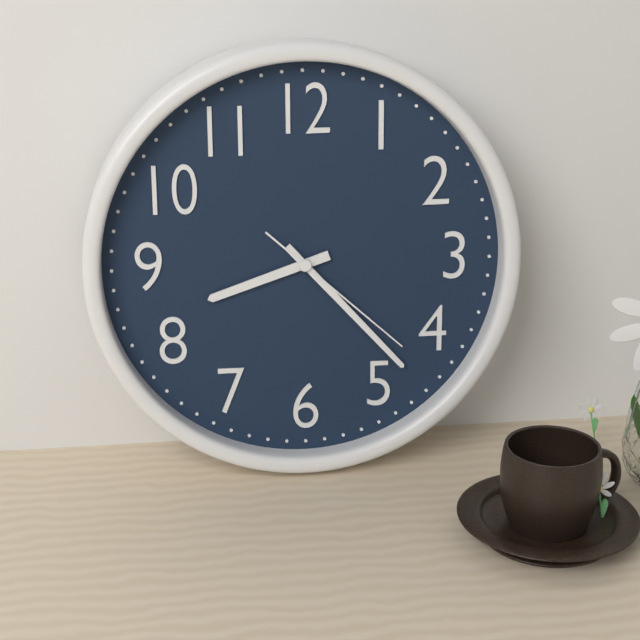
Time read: 8:23:22
